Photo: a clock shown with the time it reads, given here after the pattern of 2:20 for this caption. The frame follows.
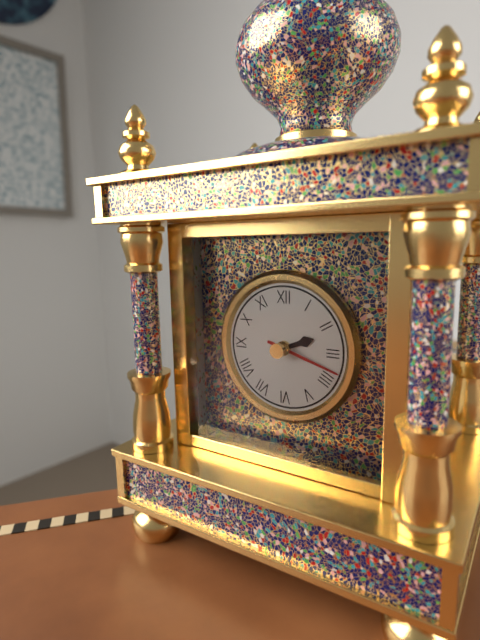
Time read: 2:18
